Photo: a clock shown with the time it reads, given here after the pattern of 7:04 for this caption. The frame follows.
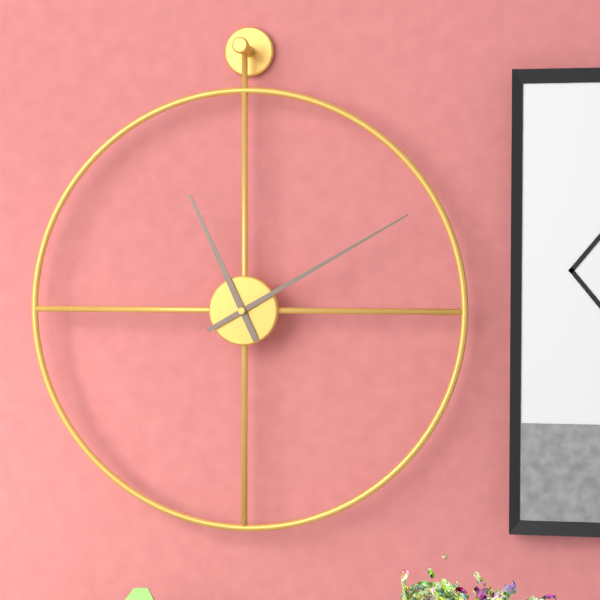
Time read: 11:10
